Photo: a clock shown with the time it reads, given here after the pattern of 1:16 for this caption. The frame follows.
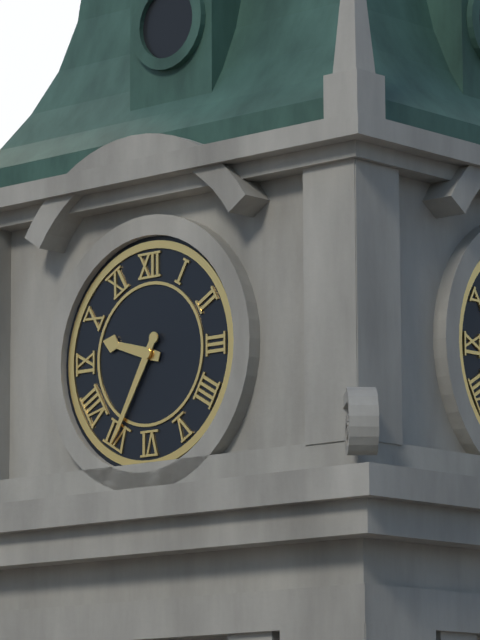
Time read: 9:35
